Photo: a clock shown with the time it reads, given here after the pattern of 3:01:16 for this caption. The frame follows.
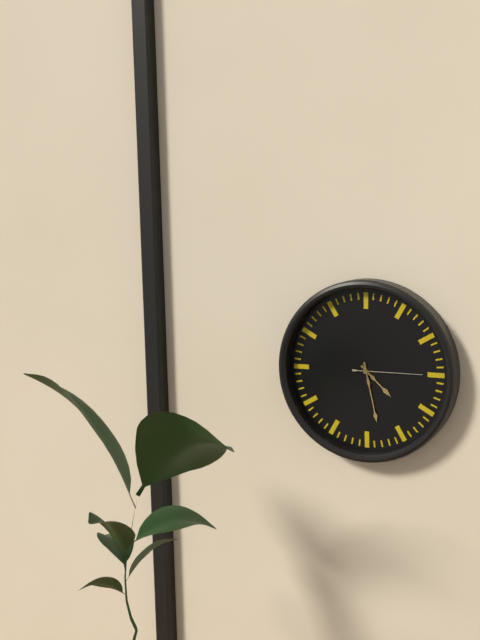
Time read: 4:28:15
